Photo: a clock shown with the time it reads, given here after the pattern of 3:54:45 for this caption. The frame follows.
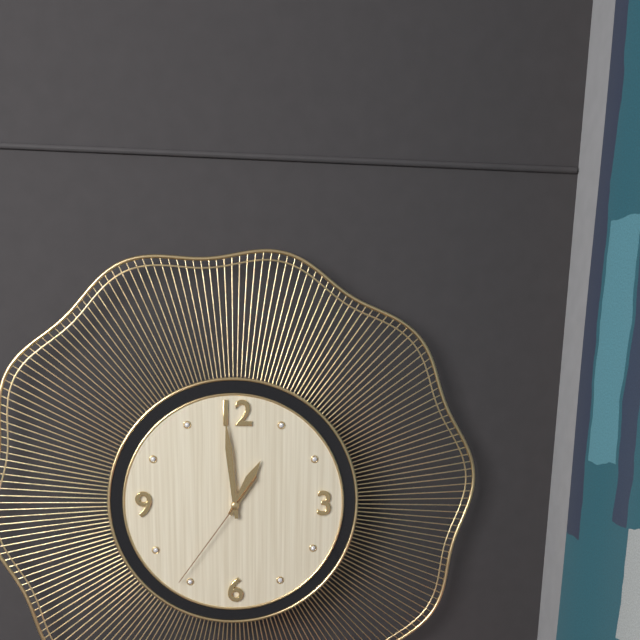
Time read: 12:59:36
